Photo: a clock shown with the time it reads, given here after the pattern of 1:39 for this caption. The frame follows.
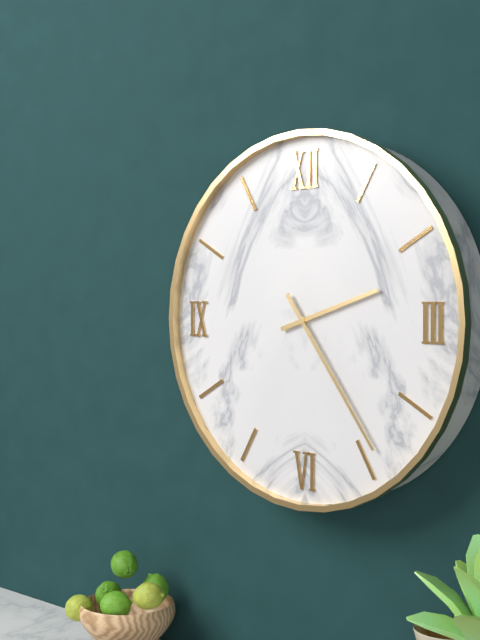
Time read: 2:24
